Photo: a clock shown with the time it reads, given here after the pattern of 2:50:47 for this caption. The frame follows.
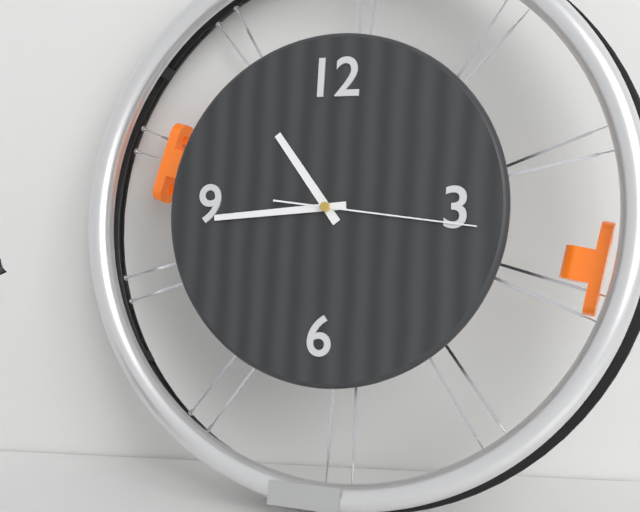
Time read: 10:44:16
